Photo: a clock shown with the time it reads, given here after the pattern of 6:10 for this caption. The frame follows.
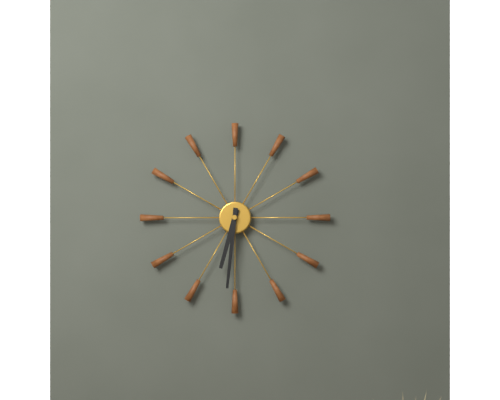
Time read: 6:31
